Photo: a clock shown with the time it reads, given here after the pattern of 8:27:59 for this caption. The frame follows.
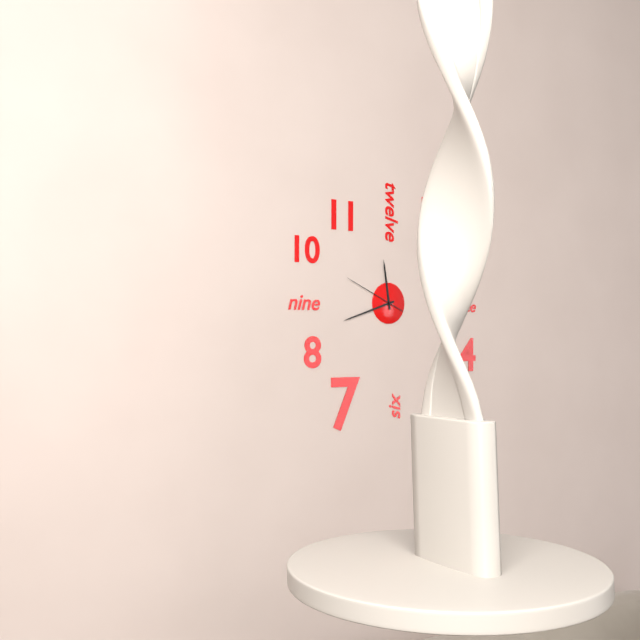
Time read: 11:42:49
